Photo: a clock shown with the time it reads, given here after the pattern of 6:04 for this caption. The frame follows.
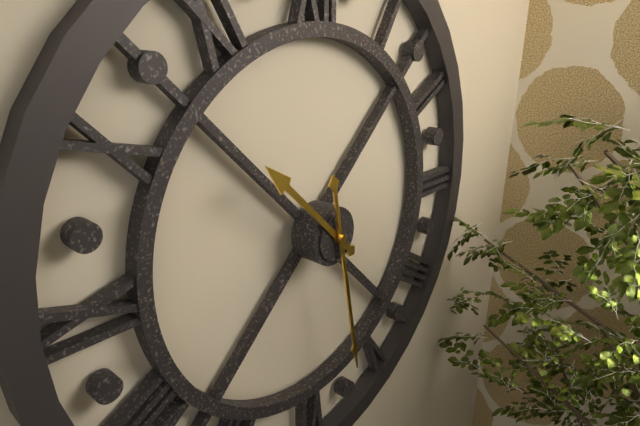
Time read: 10:28
